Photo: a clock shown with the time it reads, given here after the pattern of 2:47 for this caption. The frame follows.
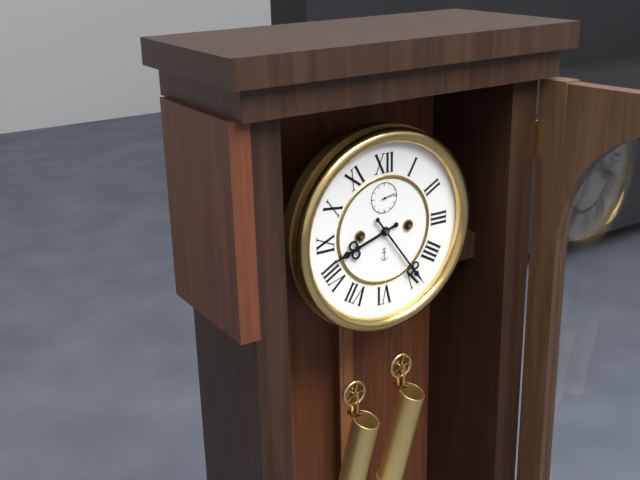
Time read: 8:24
